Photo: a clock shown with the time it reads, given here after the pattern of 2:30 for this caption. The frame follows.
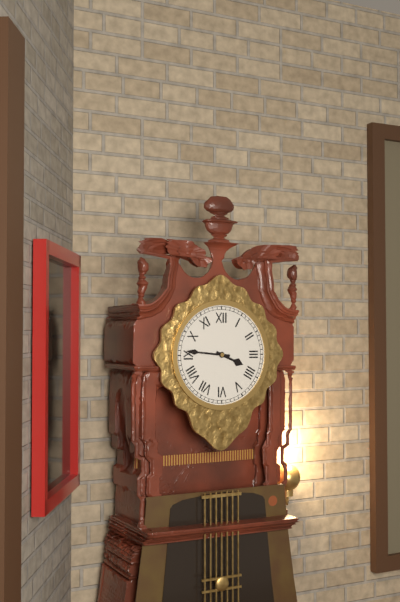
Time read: 3:46
